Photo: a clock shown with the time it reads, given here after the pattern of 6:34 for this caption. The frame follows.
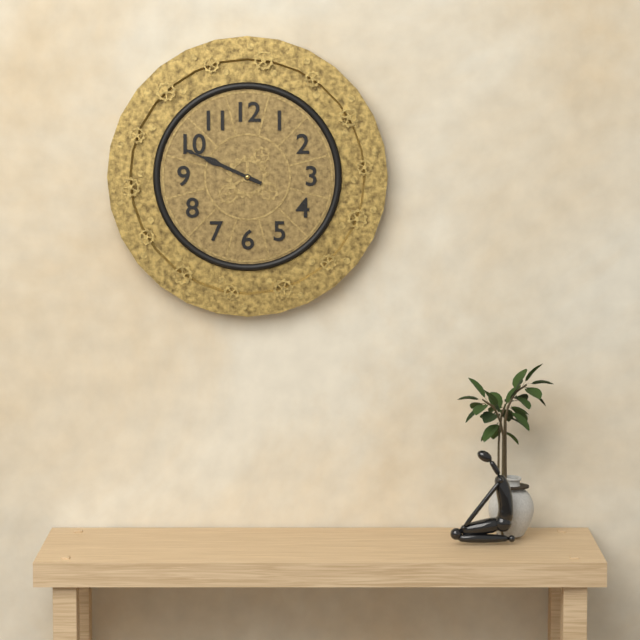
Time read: 9:49
